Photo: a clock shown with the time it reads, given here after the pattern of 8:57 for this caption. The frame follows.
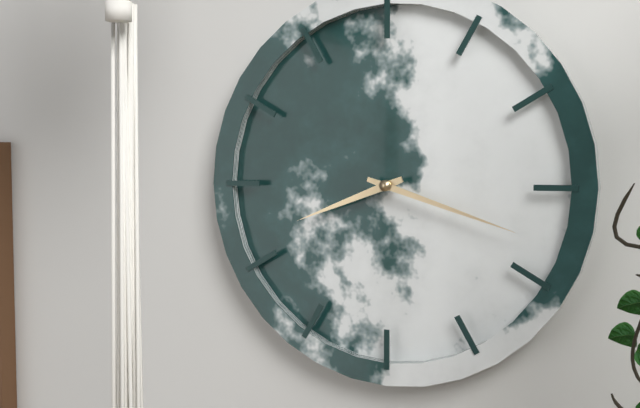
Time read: 8:18
